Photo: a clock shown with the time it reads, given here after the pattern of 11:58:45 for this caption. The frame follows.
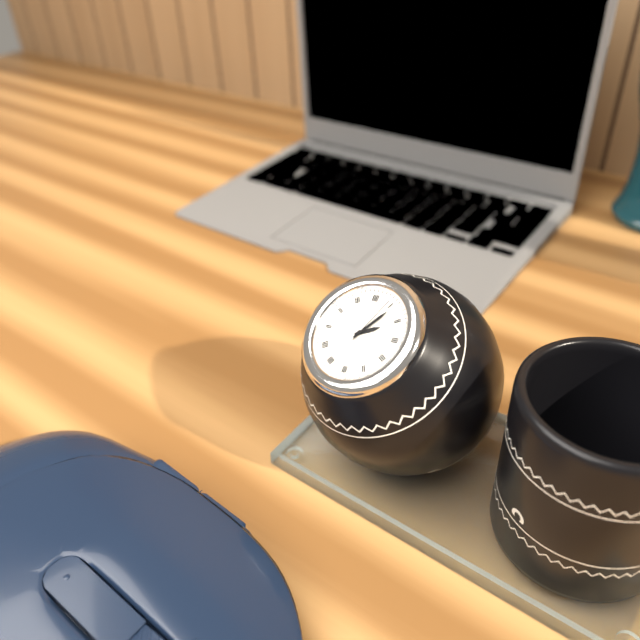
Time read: 2:06:04
